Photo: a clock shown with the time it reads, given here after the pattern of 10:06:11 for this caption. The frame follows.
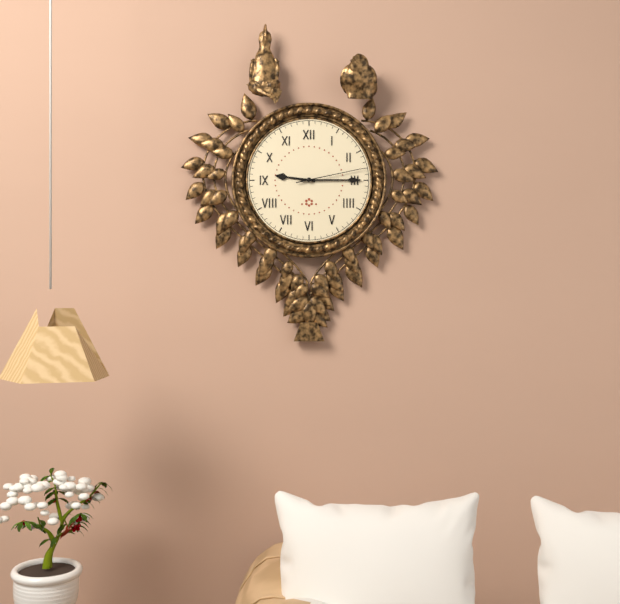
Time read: 9:15:13
